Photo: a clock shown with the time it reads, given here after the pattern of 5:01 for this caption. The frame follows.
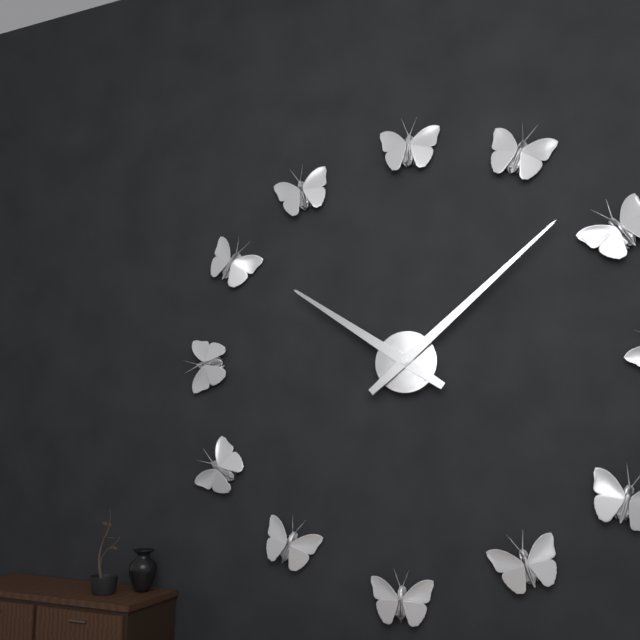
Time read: 10:08
